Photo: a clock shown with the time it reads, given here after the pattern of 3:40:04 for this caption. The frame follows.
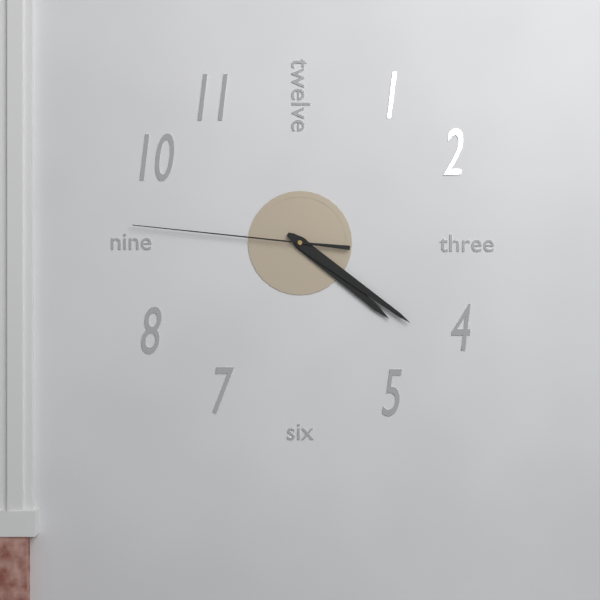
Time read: 4:21:46
